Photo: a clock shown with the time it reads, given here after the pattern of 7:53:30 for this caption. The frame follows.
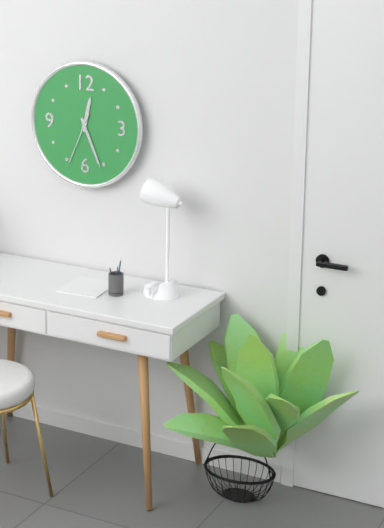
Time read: 12:26:34
